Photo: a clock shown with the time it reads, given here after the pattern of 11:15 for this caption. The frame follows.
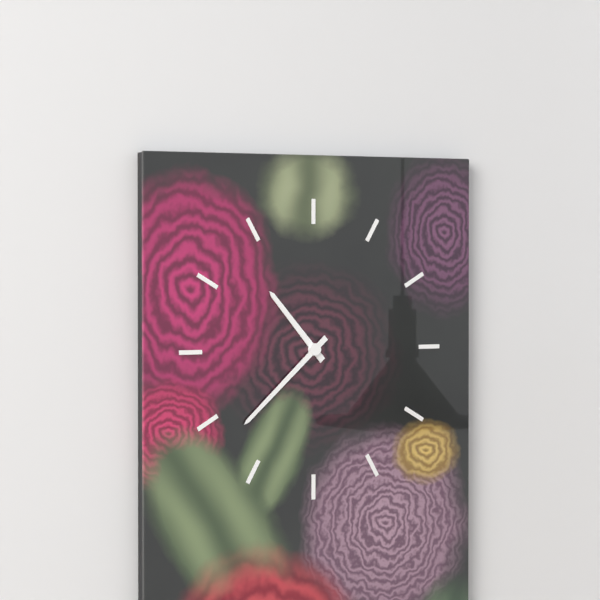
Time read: 10:38
